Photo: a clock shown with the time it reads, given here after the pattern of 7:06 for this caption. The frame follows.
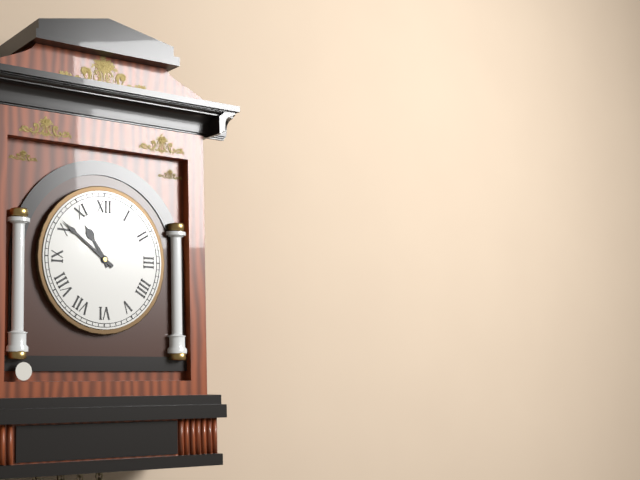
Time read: 10:51
